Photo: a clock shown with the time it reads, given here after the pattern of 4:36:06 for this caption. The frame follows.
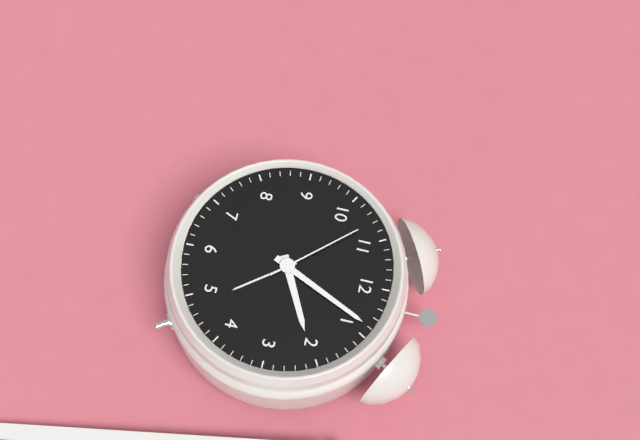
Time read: 2:04:53
